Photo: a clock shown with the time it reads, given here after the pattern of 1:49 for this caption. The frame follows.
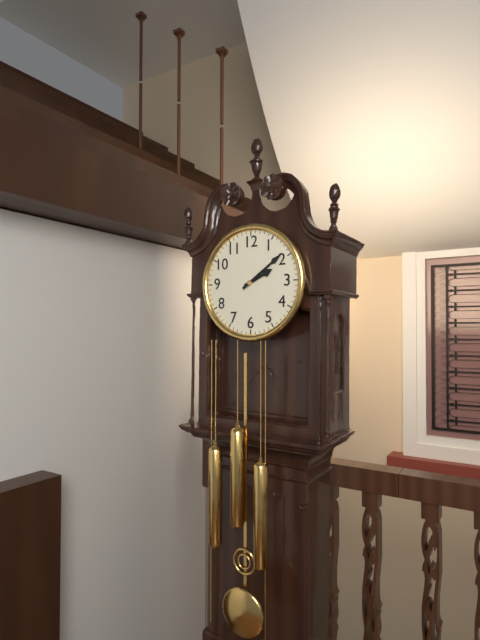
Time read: 2:09
